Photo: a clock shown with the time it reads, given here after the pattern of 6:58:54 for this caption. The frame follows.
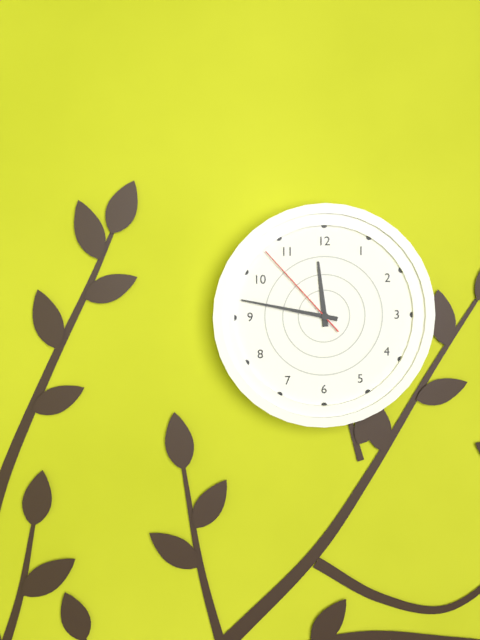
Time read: 11:47:53
